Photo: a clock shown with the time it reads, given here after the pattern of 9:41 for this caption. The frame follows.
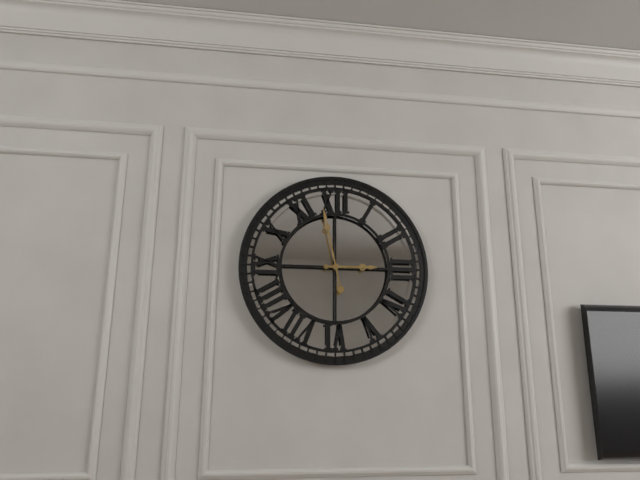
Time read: 2:58
